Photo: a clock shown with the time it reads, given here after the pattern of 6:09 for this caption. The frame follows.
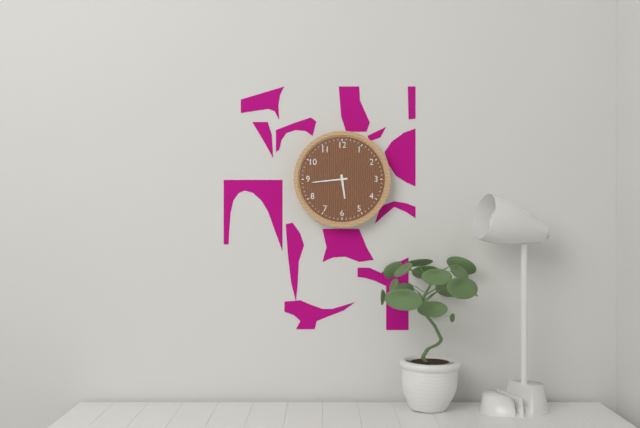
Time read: 5:44
